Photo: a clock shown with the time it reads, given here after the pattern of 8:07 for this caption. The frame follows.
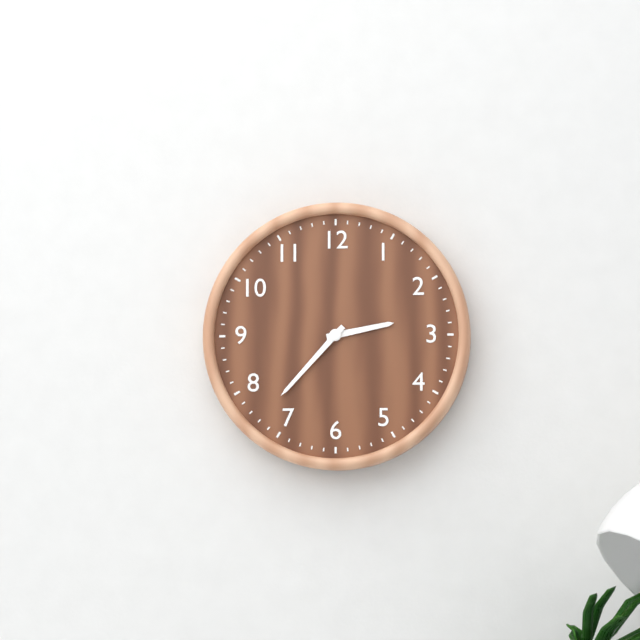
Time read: 2:37
